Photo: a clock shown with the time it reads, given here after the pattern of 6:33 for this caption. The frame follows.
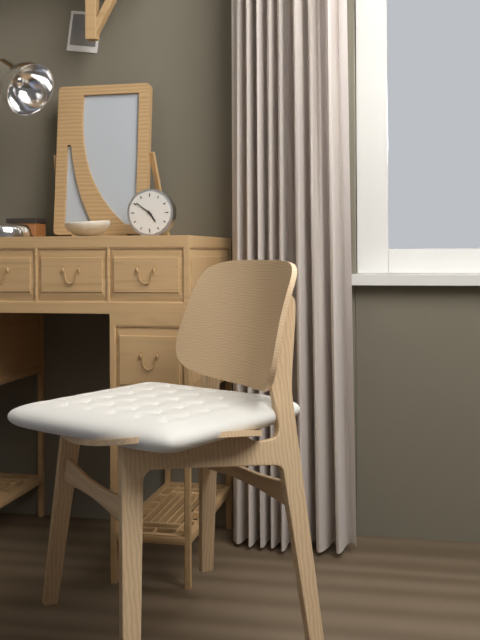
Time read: 4:51
